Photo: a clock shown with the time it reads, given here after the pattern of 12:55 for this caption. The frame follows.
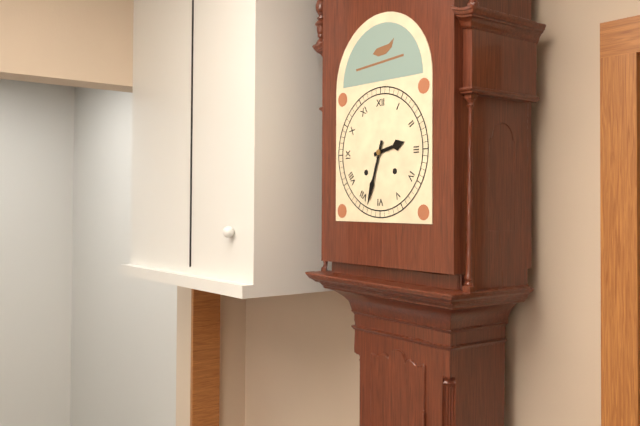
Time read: 2:33
